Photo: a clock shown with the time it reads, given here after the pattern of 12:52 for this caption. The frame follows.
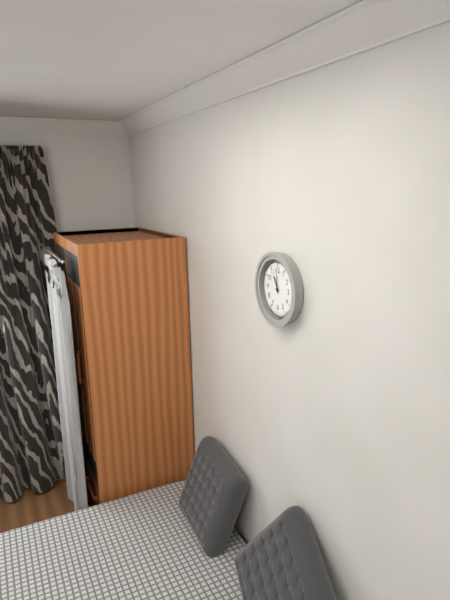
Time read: 10:59
